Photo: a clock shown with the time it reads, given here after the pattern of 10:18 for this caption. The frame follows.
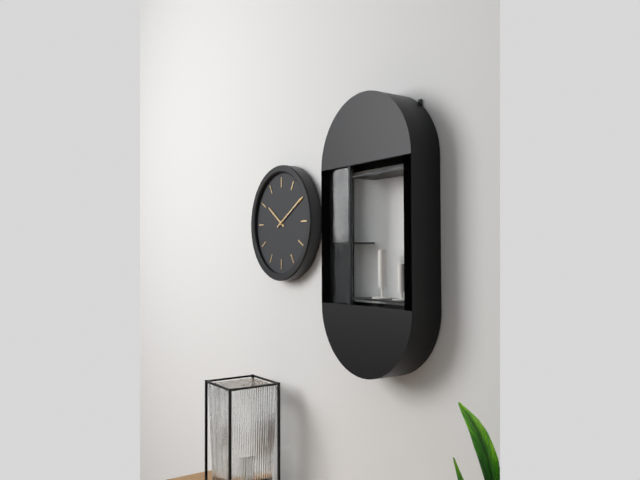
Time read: 10:10
